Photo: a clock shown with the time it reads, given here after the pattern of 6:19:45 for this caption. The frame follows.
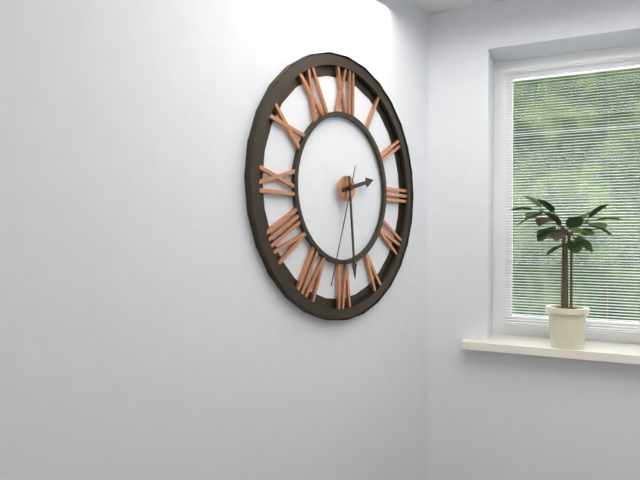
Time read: 2:29:33
